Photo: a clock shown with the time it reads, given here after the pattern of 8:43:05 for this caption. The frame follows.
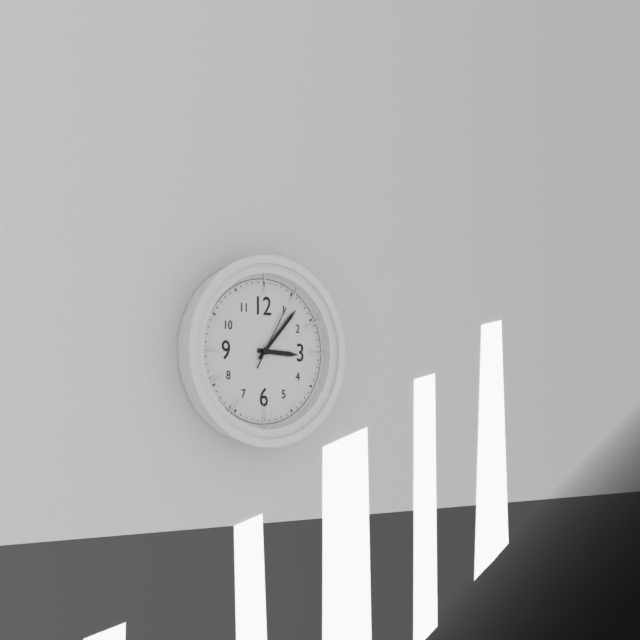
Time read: 3:07:05
